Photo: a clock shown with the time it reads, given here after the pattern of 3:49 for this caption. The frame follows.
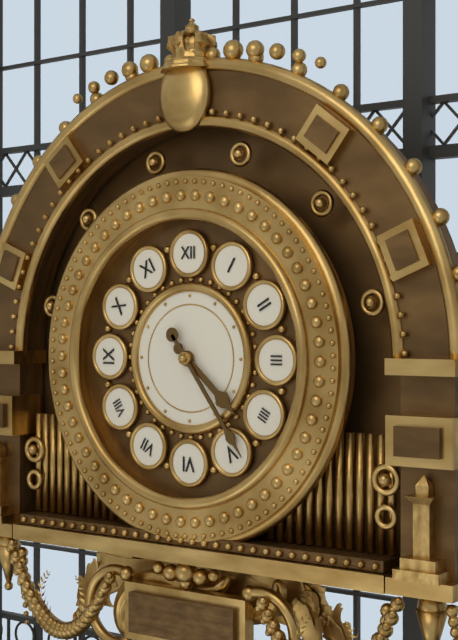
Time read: 4:24
